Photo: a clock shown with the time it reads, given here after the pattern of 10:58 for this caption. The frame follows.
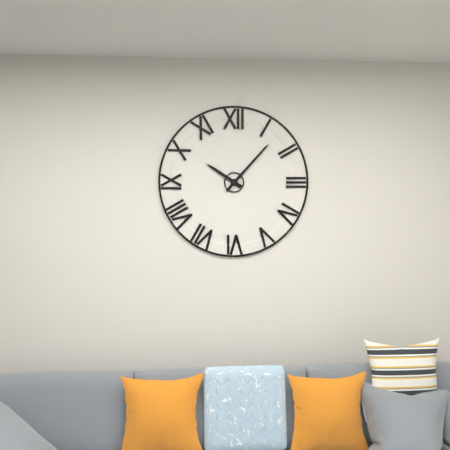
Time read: 10:07
